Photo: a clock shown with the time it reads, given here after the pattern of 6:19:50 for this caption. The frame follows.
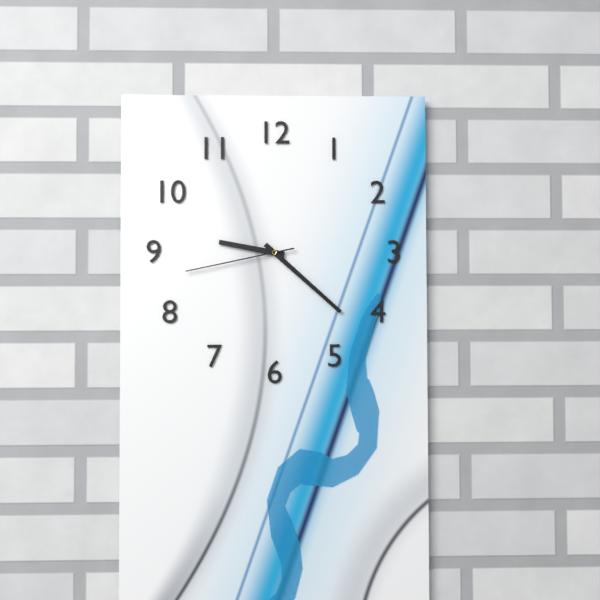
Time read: 9:22:43
